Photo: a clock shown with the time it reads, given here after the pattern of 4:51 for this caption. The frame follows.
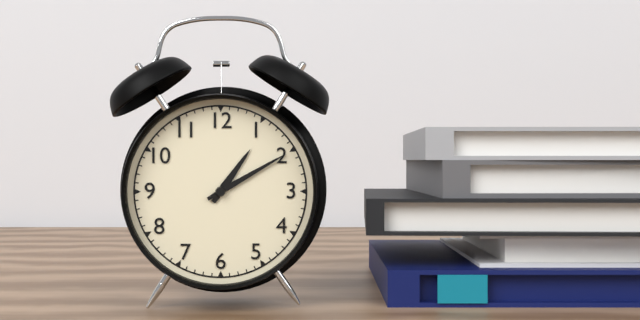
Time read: 1:10
